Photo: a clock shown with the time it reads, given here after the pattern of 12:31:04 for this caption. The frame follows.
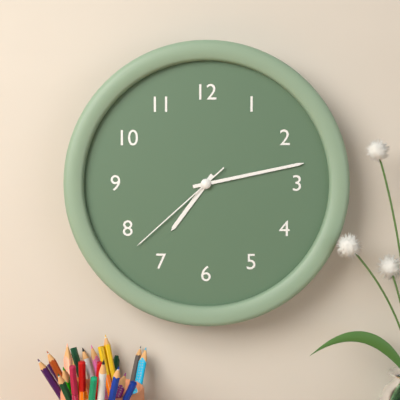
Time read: 7:13:38
